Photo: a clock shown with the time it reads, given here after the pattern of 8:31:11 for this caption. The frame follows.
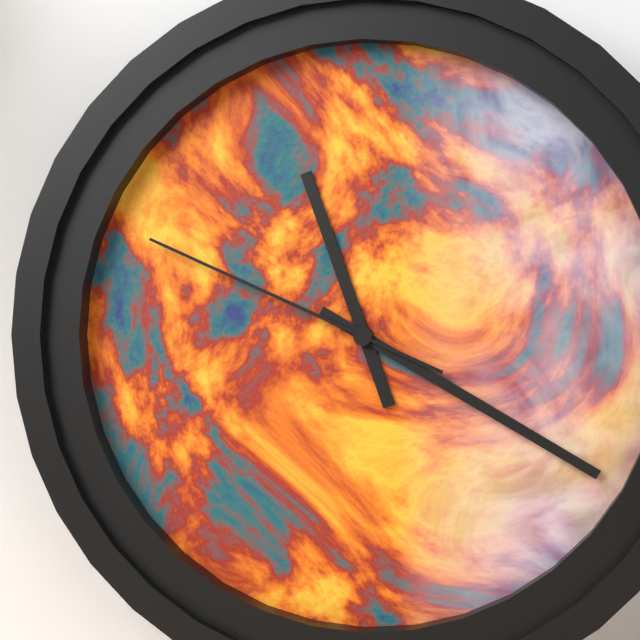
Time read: 11:20:49
